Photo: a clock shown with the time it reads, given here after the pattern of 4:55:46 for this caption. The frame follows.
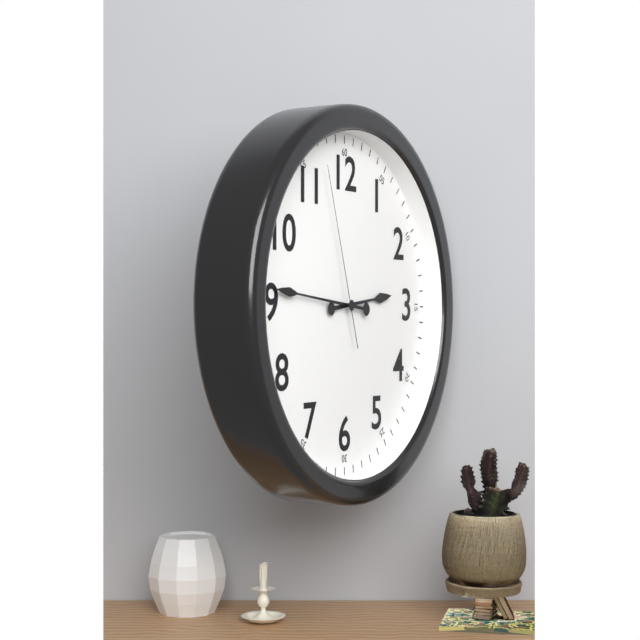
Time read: 2:46:57
